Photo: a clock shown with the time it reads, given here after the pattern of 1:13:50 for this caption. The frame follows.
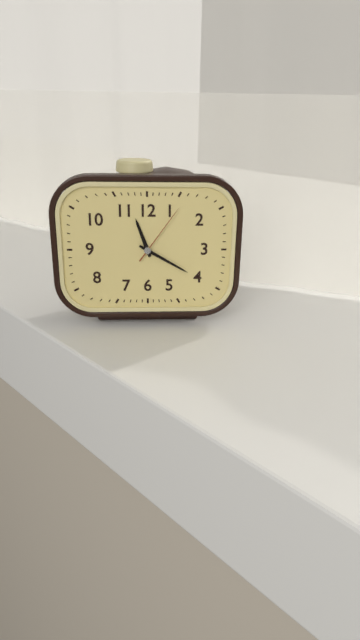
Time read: 11:20:06
